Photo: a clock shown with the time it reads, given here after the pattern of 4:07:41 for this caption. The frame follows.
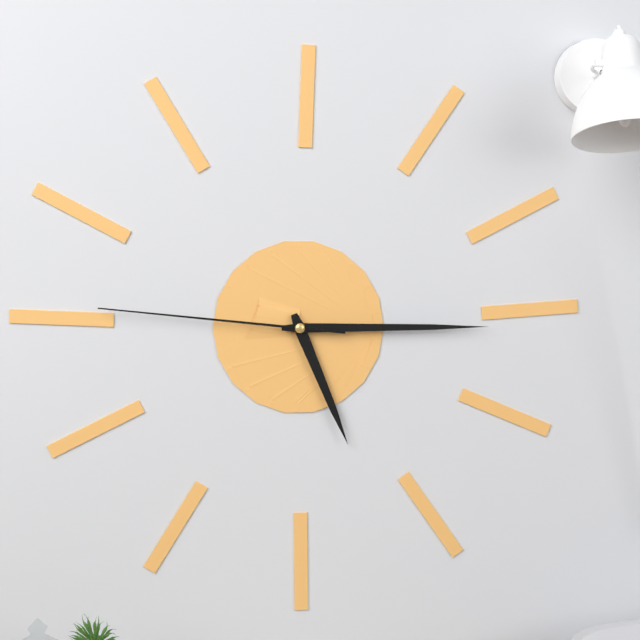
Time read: 5:15:46
